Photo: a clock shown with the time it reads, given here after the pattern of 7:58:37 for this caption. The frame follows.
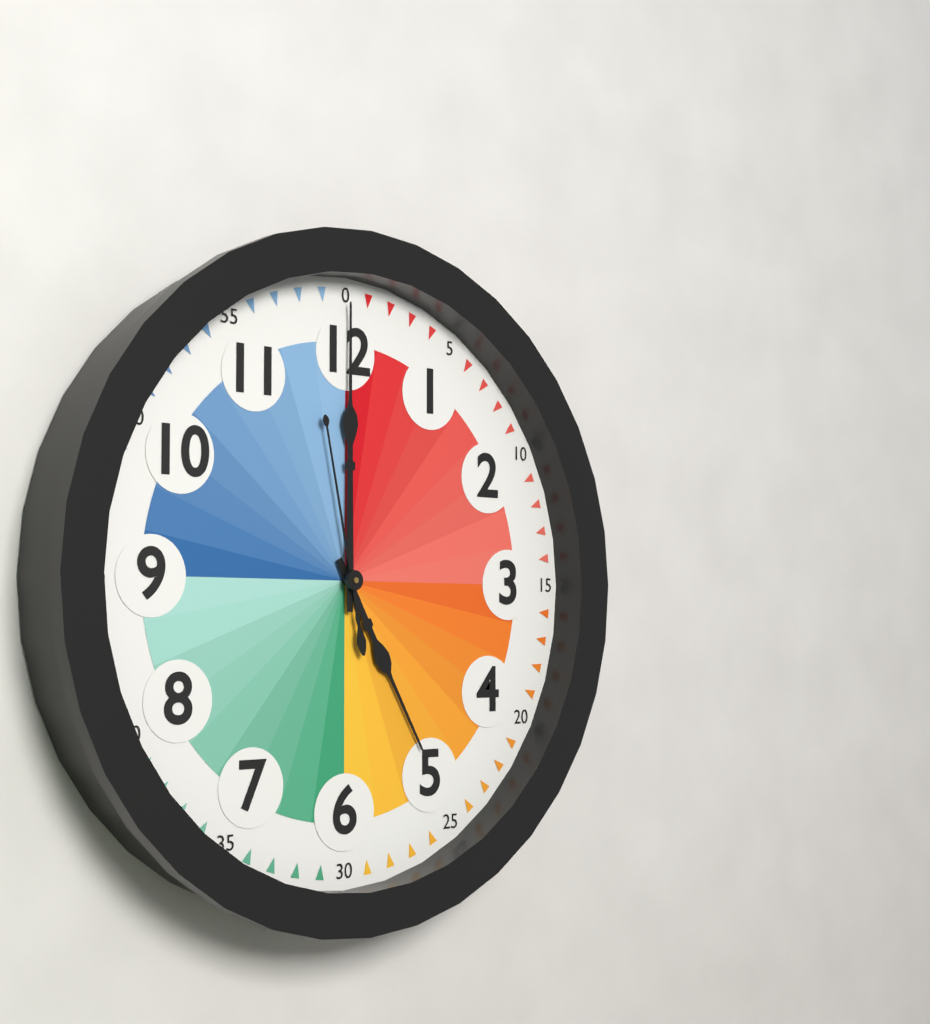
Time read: 5:00:58
